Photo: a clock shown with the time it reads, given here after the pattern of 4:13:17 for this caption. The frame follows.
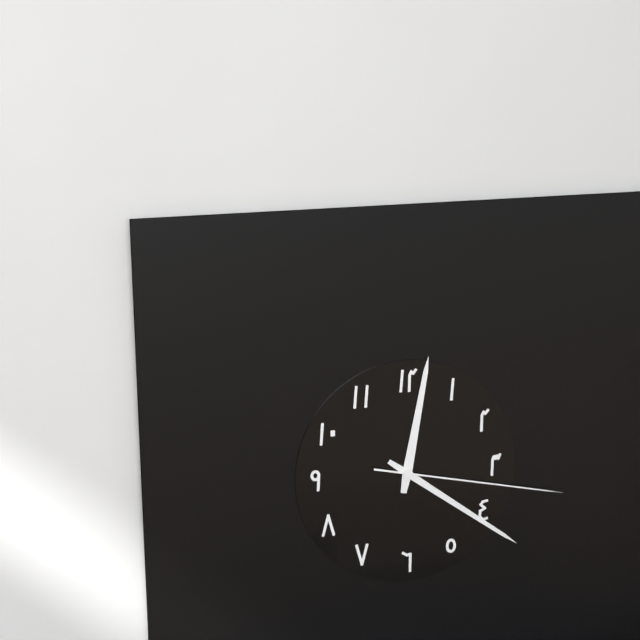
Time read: 12:21:17
